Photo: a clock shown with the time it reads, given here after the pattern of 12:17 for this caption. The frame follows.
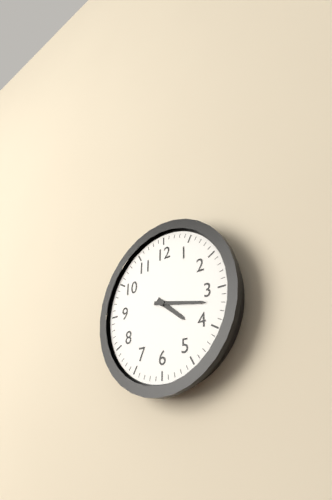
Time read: 4:17
